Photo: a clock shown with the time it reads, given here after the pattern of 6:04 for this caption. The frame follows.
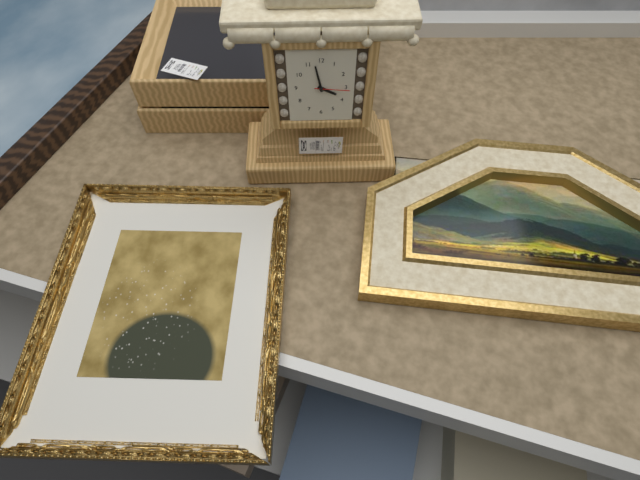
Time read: 3:58
